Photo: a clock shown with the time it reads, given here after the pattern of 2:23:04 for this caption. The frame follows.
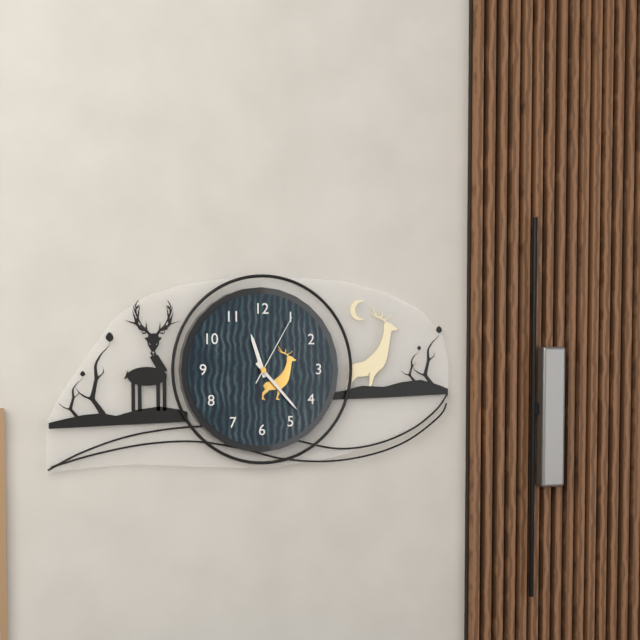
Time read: 11:23:05
